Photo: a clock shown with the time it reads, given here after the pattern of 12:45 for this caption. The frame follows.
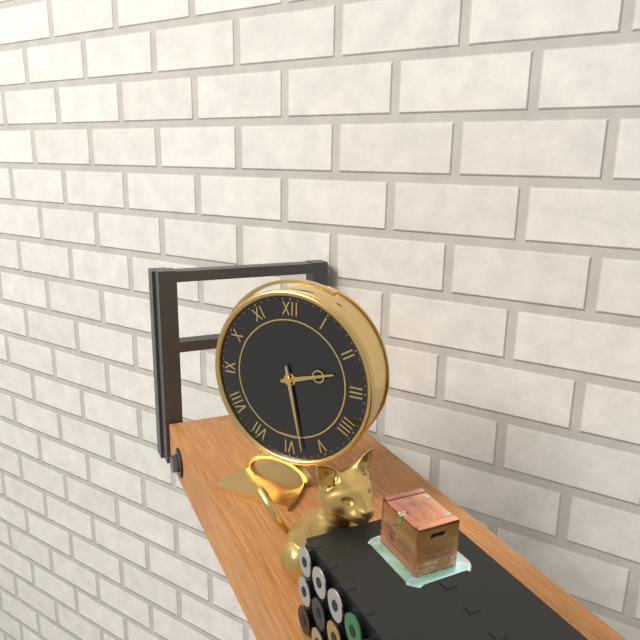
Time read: 2:28
